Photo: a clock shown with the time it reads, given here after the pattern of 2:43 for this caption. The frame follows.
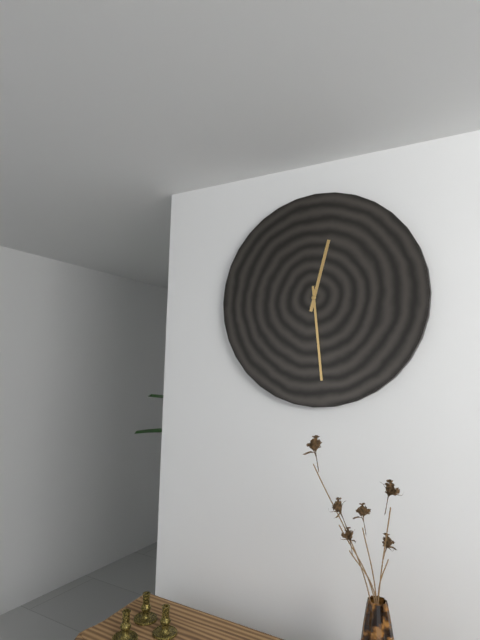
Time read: 12:29
